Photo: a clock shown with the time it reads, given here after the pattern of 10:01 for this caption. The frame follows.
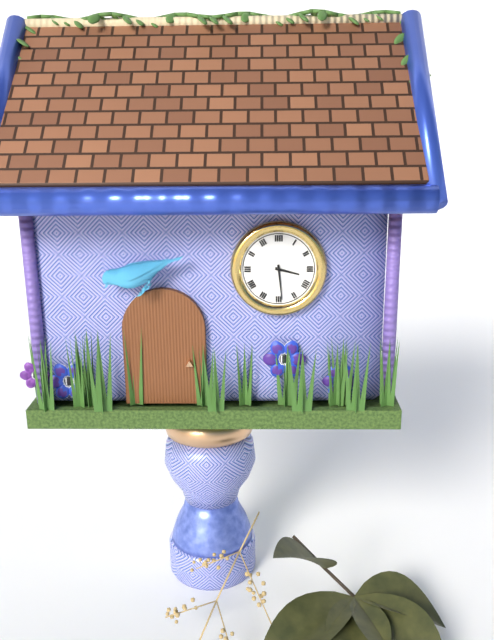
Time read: 3:29
